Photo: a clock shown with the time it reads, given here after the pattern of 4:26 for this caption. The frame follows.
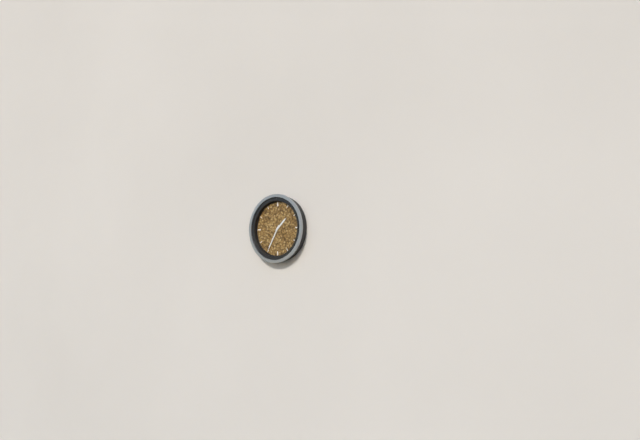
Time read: 1:35
